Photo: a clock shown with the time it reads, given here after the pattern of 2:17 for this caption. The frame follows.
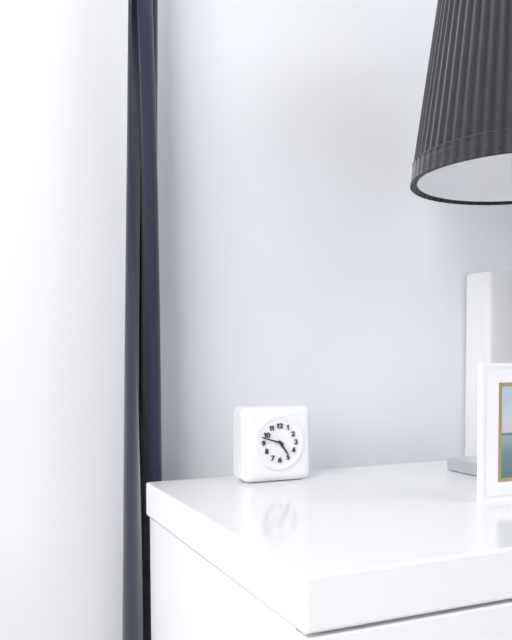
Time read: 4:48
